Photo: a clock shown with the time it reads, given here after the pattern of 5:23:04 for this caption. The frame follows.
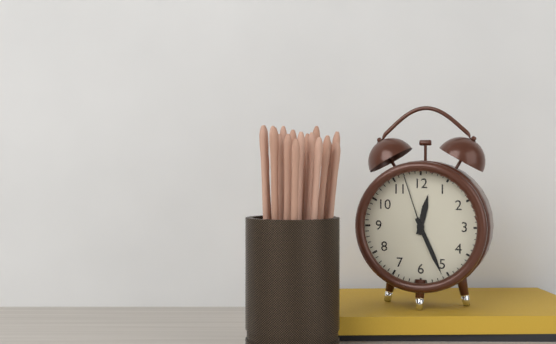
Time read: 12:26:57
